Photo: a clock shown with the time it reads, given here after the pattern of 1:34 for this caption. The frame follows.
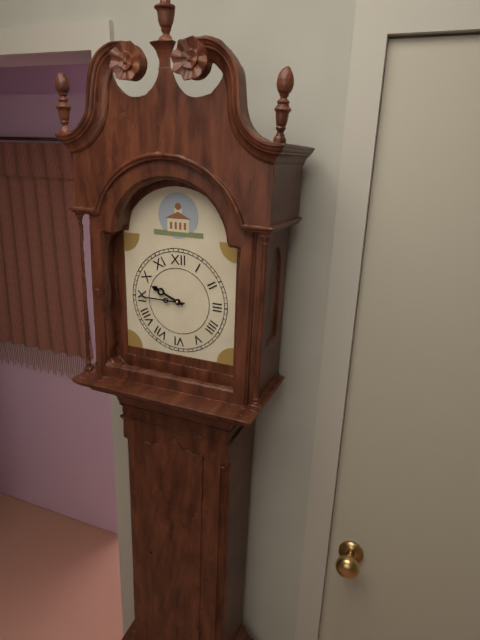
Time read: 9:45
